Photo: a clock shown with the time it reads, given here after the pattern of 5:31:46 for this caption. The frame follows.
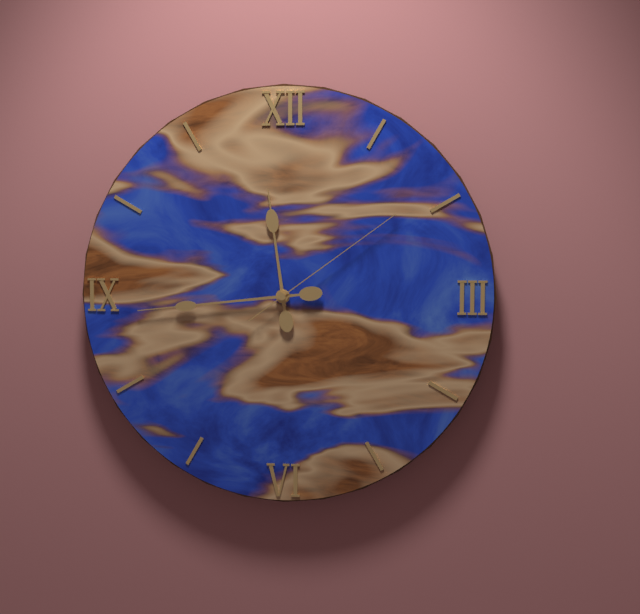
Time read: 11:44:09
